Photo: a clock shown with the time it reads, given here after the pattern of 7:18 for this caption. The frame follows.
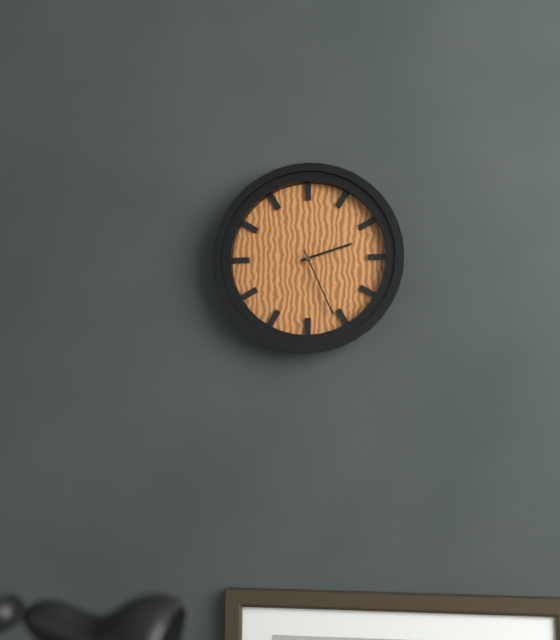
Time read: 2:26
